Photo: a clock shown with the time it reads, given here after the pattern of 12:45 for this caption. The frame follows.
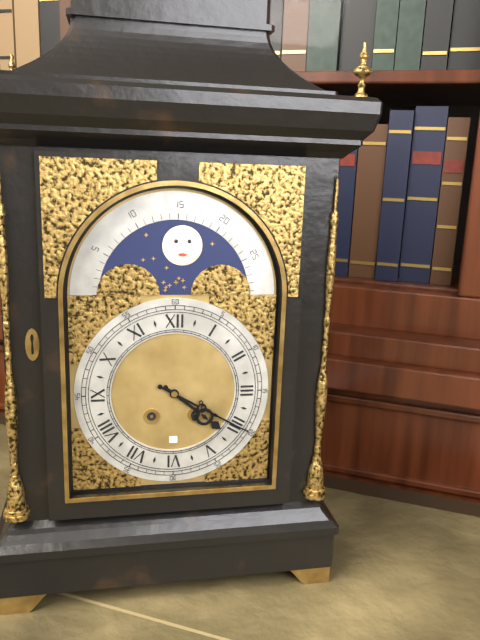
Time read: 4:20
